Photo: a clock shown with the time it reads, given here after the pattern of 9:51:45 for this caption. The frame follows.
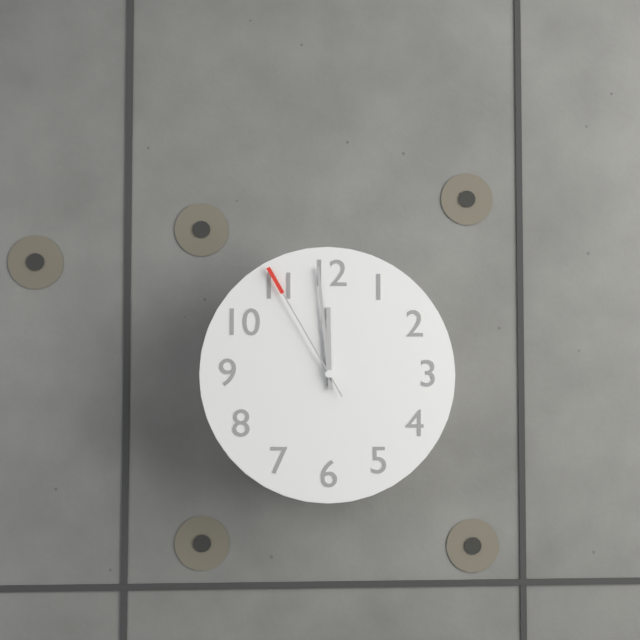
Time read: 11:59:55
